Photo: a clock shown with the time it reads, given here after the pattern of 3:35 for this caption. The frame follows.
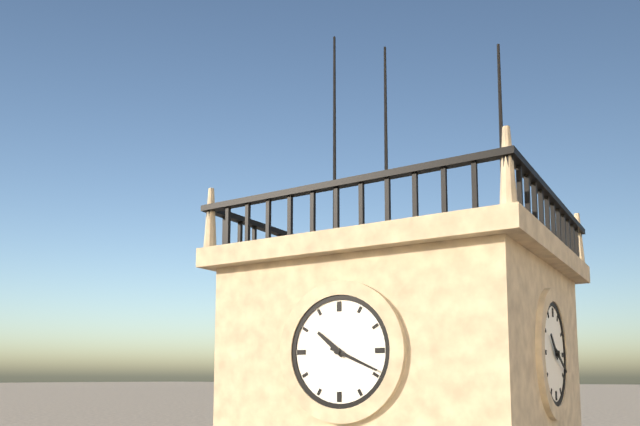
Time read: 10:19
